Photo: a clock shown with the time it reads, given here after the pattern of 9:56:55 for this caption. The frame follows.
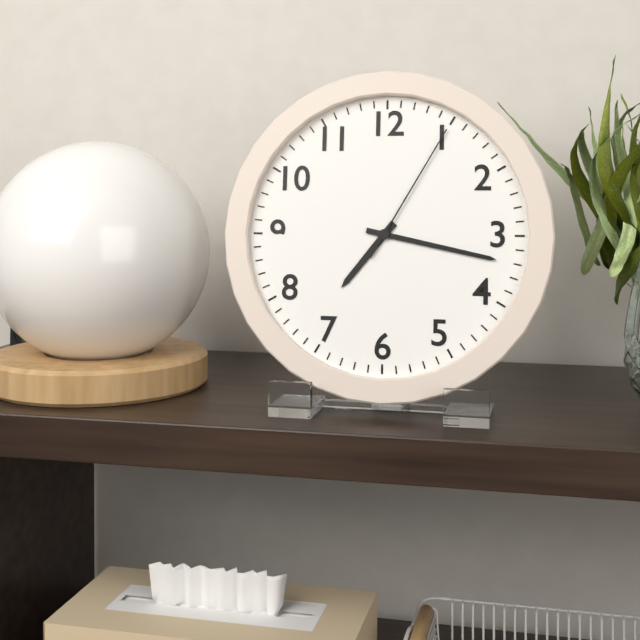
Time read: 7:17:05
